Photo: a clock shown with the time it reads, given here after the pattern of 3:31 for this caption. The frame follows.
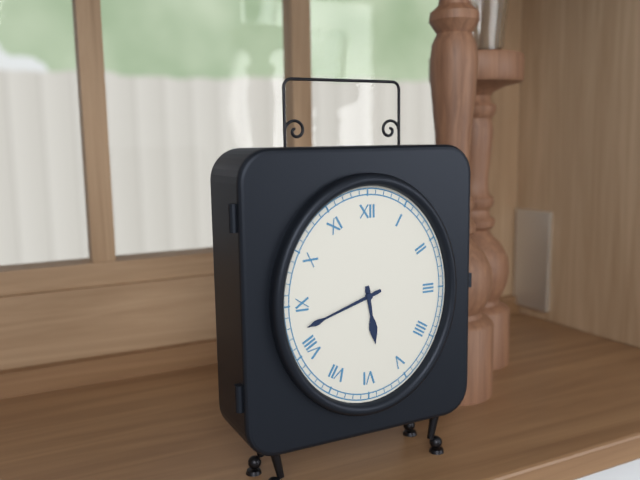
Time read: 5:42
